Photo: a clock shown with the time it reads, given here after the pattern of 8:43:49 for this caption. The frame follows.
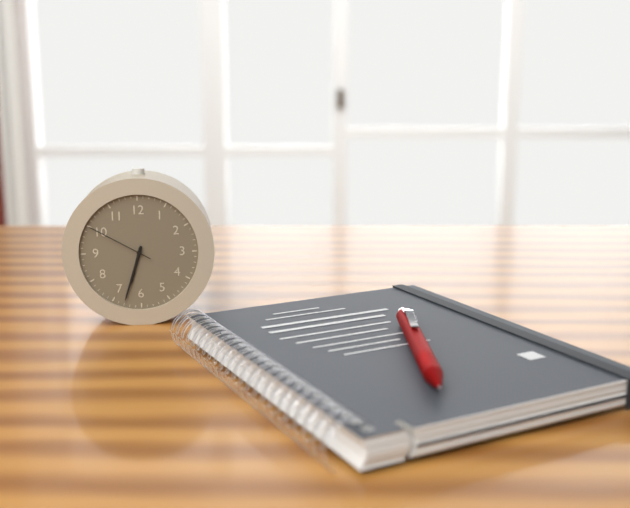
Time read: 6:33:50
